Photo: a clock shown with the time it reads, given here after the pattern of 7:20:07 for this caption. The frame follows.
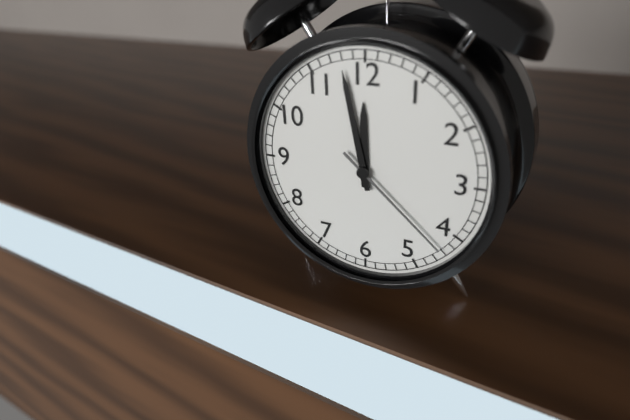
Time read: 11:58:22
